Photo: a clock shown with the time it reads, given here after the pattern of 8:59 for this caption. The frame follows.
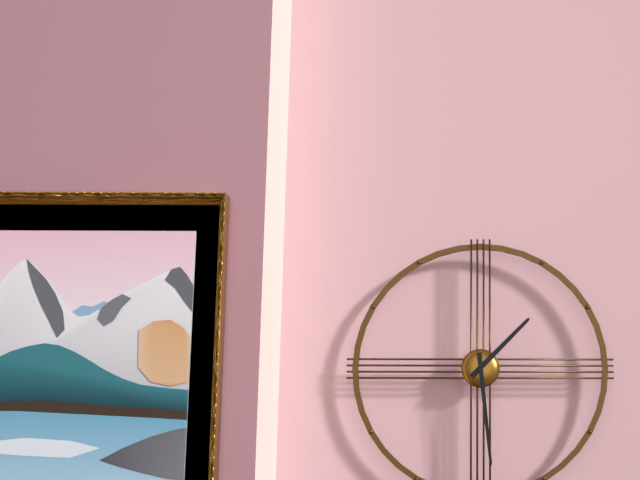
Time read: 1:29
